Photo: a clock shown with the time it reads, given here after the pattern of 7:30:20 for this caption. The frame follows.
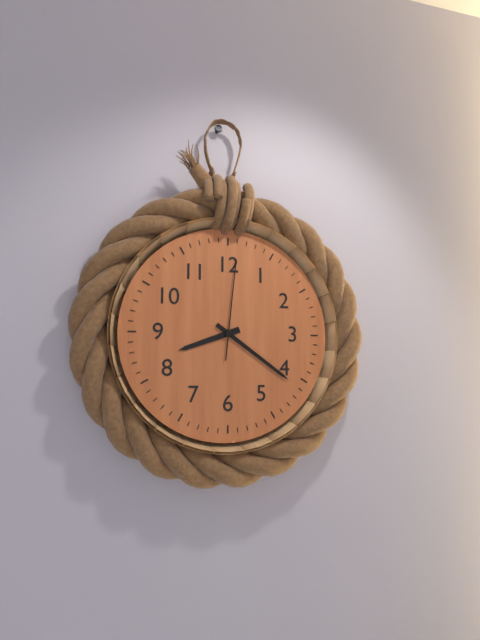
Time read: 8:21:01
